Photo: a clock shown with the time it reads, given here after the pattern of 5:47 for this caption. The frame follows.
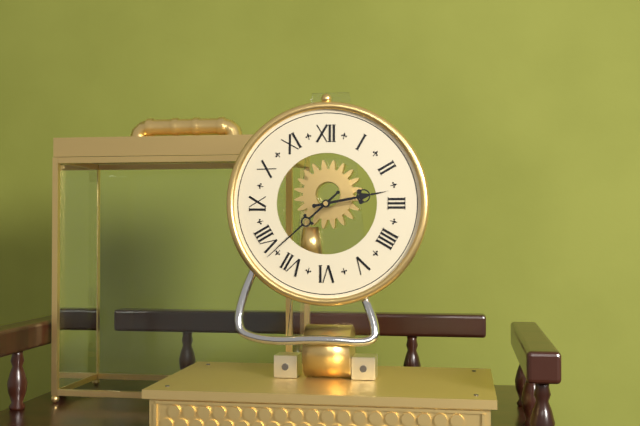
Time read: 2:38
